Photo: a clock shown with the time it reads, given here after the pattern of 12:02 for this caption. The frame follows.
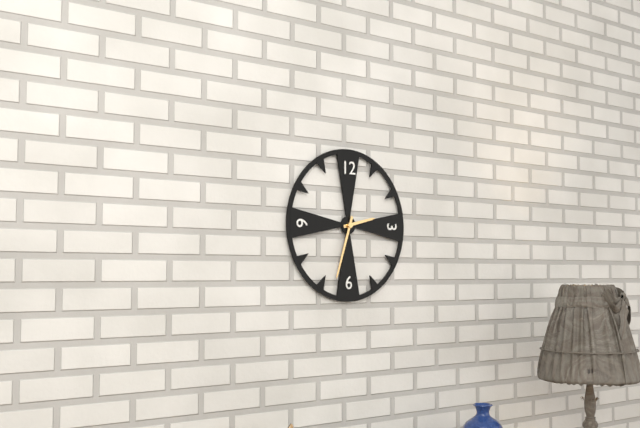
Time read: 2:33
